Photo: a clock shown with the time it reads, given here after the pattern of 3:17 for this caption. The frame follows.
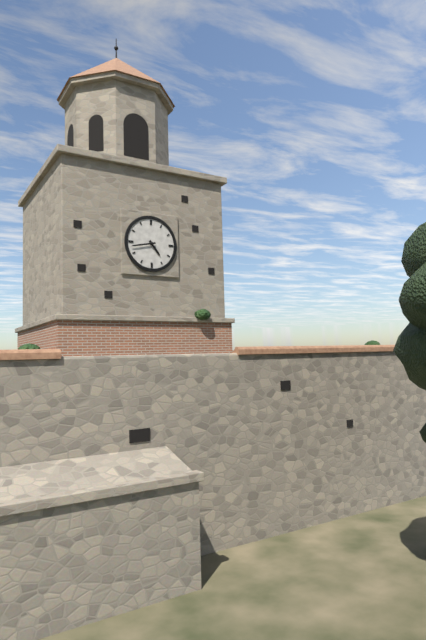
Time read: 4:43
